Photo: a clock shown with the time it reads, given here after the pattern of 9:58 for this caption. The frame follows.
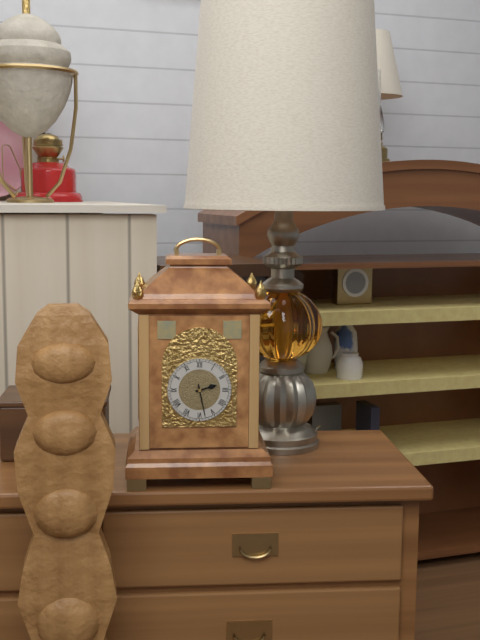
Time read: 2:28
